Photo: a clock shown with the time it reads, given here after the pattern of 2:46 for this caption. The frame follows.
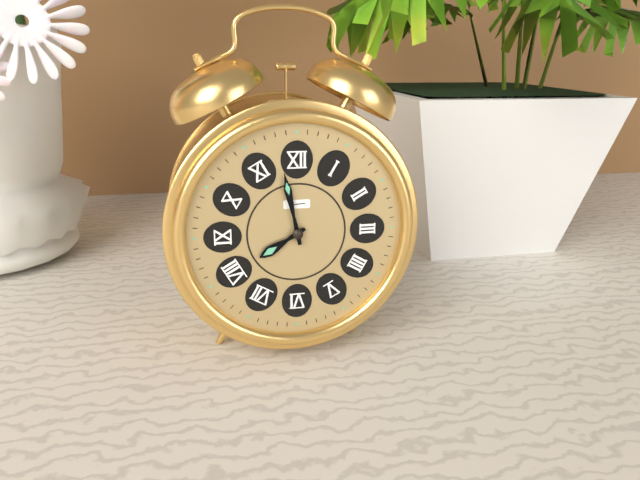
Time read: 7:58
